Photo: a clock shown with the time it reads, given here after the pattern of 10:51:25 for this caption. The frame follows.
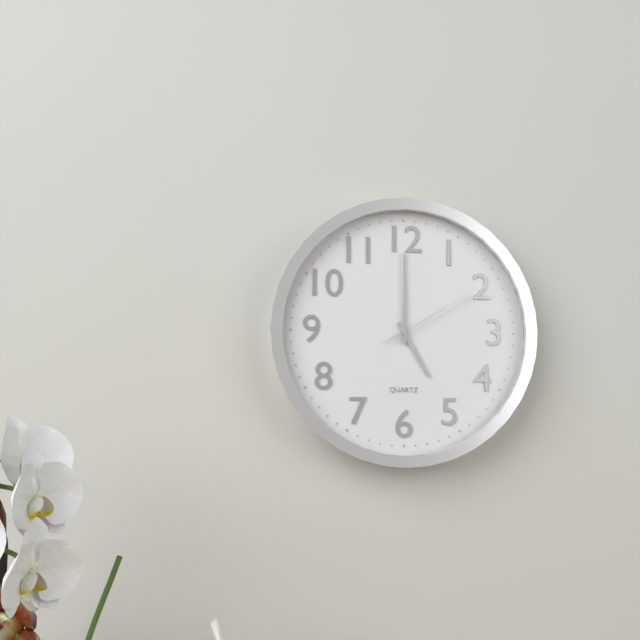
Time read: 5:00:10
